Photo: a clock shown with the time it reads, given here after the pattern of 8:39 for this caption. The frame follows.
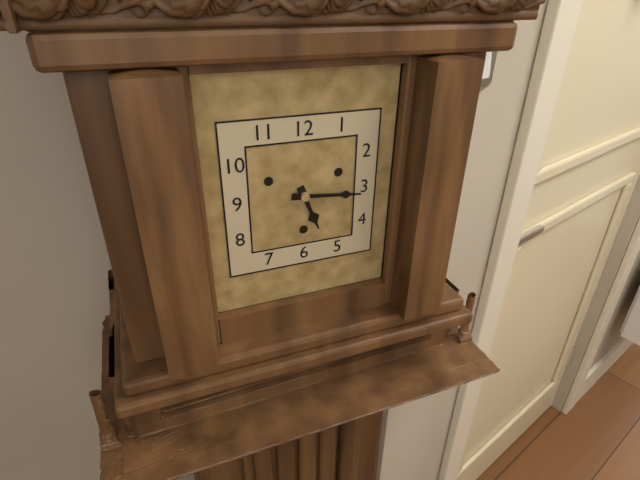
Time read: 5:16
